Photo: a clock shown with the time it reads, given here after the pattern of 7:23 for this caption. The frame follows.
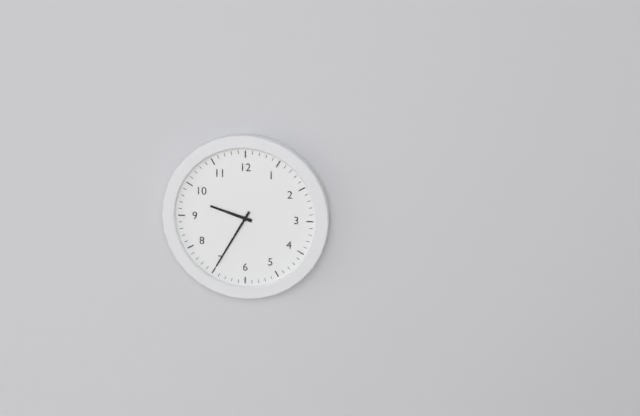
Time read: 9:35
